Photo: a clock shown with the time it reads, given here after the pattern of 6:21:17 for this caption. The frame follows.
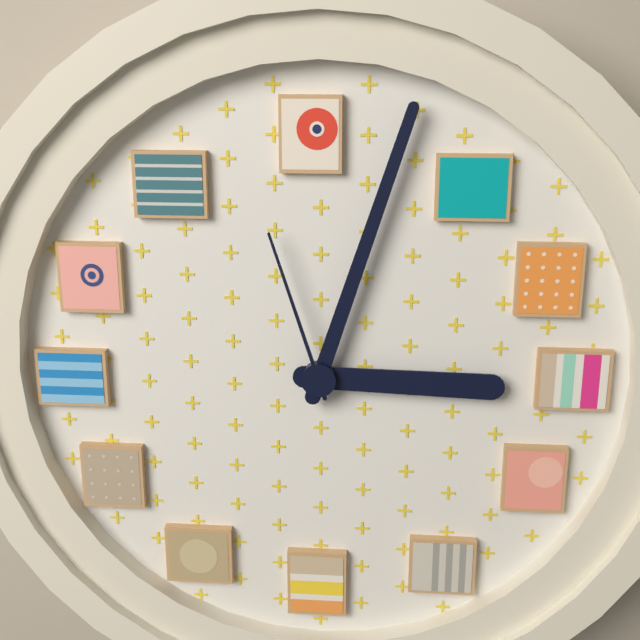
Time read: 3:03:57
